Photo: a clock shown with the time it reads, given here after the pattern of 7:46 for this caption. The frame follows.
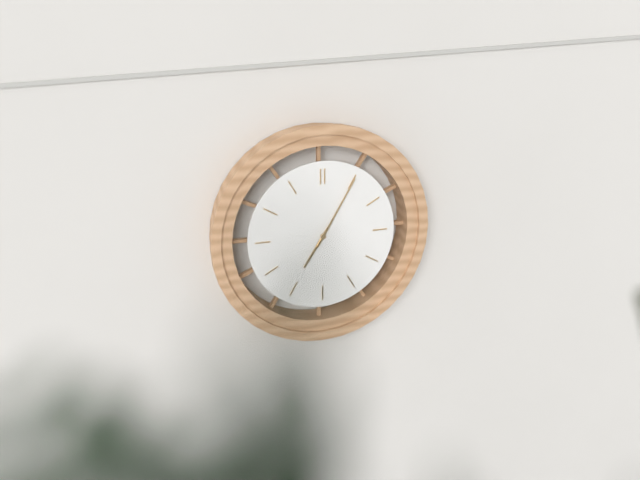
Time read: 7:05
